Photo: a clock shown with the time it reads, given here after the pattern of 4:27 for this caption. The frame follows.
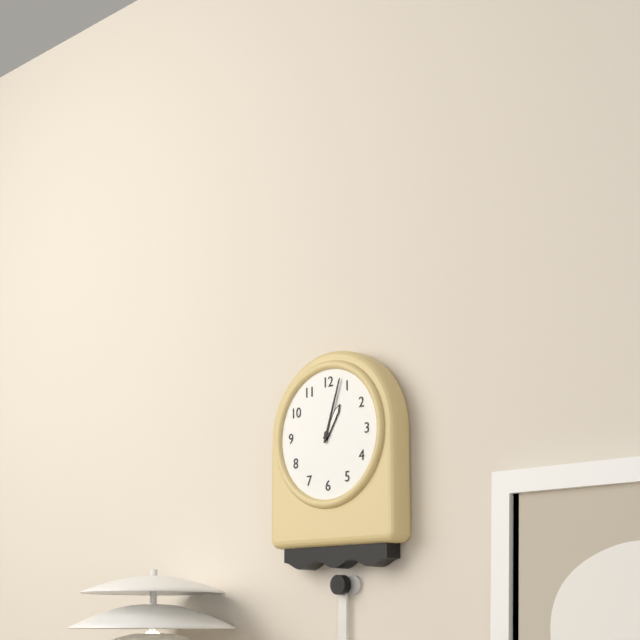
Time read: 1:03
